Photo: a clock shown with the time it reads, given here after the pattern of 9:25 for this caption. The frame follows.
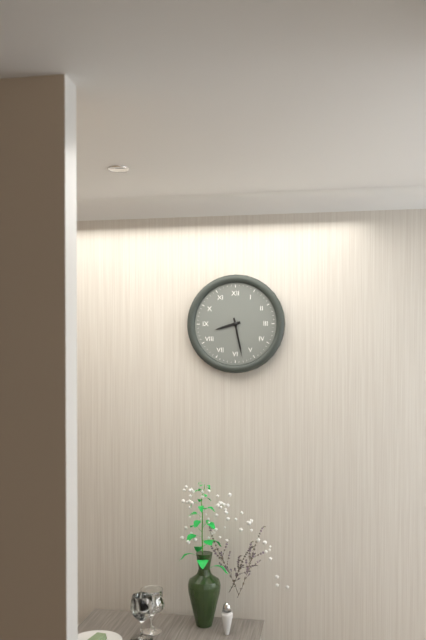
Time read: 8:28
